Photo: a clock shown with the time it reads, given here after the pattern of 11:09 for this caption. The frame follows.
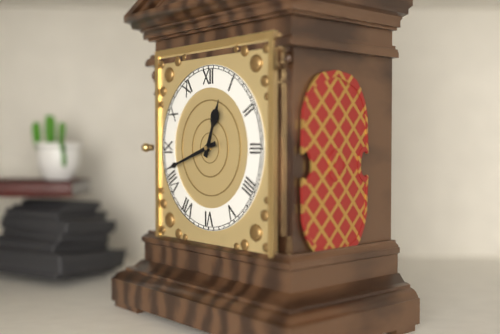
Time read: 12:42
